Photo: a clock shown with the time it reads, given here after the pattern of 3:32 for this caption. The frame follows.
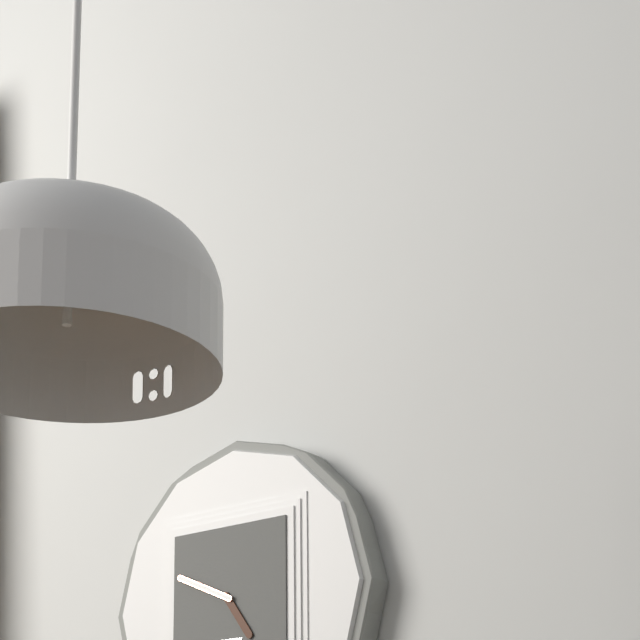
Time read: 4:49
